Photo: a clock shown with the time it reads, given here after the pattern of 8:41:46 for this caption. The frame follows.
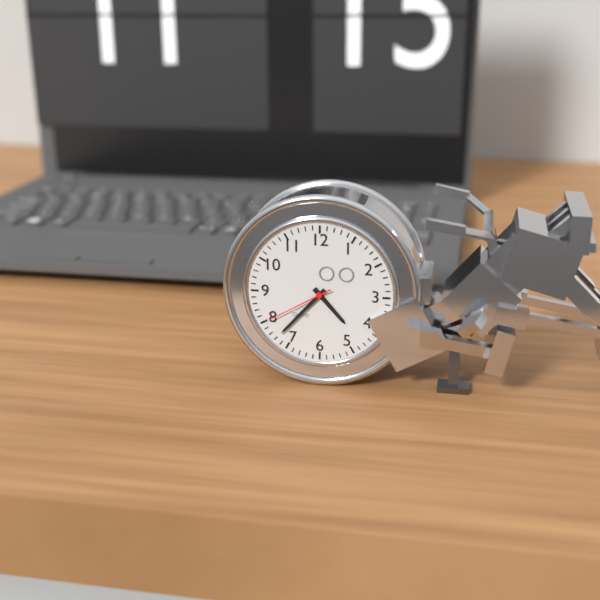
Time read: 4:37:40
